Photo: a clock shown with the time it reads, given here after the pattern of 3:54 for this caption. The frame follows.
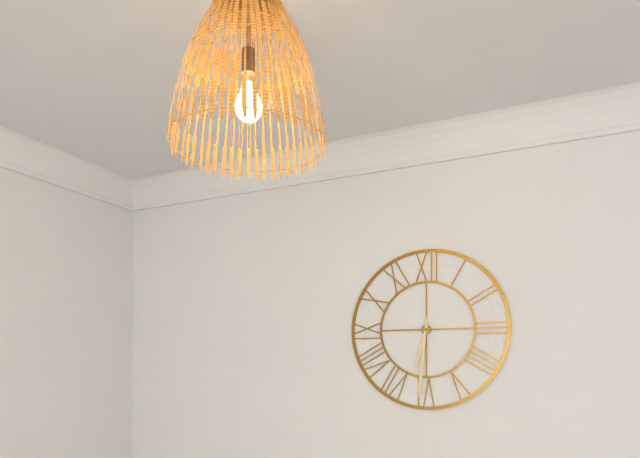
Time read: 6:31
